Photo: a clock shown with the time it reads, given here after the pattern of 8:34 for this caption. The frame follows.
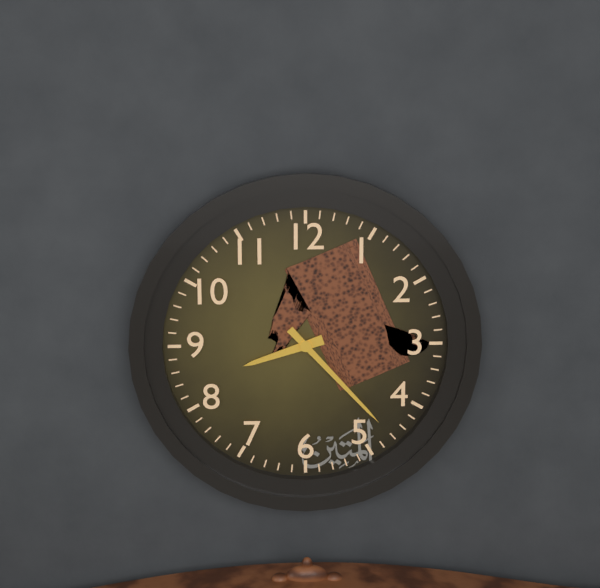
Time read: 8:23
